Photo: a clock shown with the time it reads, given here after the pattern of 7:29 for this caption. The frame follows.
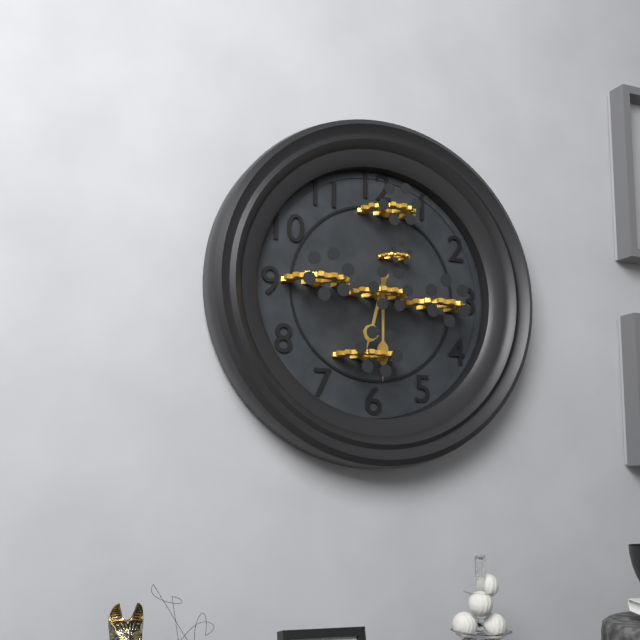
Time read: 6:30
